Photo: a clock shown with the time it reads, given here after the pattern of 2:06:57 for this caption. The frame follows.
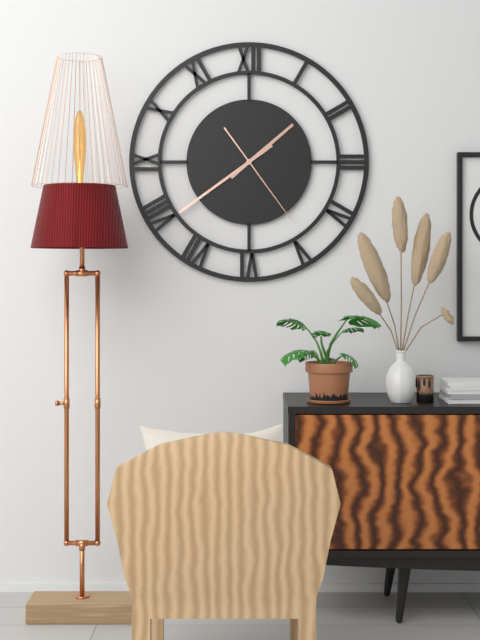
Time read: 1:39:24
